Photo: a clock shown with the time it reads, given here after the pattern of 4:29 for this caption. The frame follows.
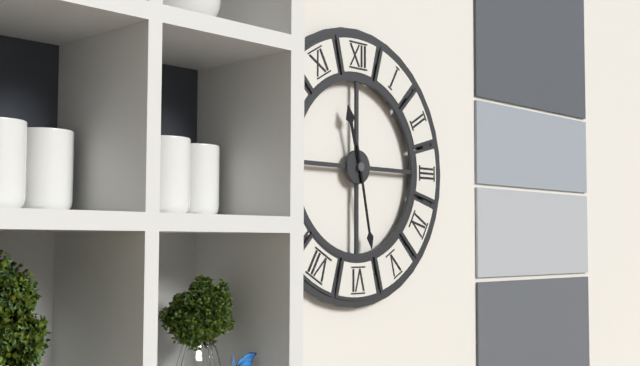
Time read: 11:28
